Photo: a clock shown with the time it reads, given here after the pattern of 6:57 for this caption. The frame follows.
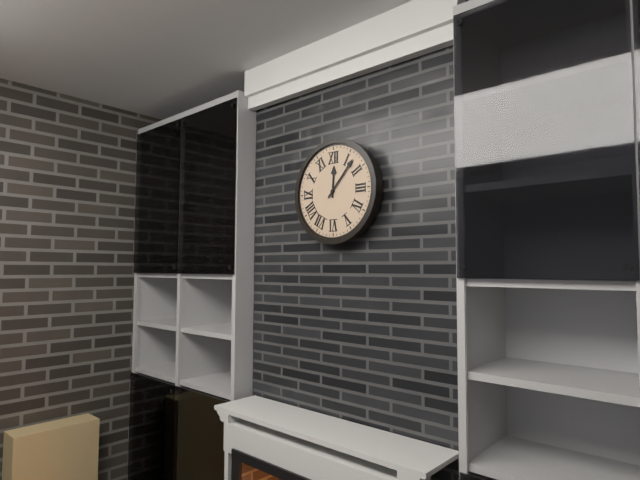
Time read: 12:07
